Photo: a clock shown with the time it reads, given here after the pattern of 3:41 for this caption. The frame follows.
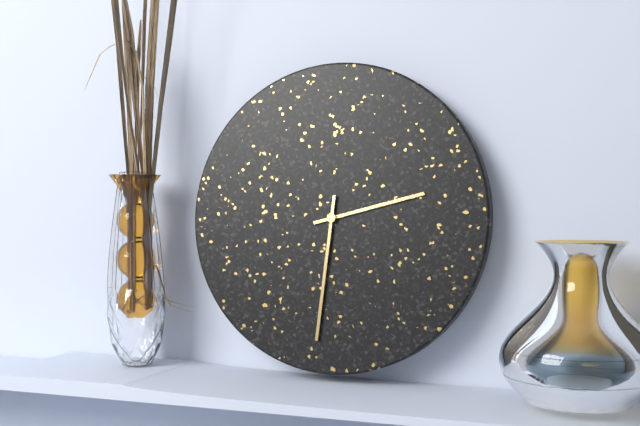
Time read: 2:31
